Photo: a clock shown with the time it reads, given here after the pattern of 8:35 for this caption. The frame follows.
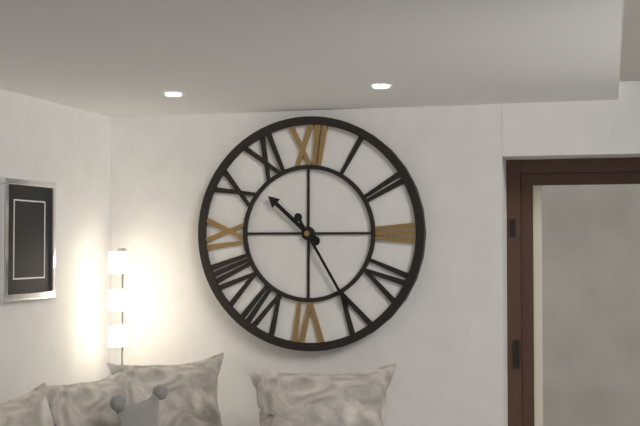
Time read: 10:25
